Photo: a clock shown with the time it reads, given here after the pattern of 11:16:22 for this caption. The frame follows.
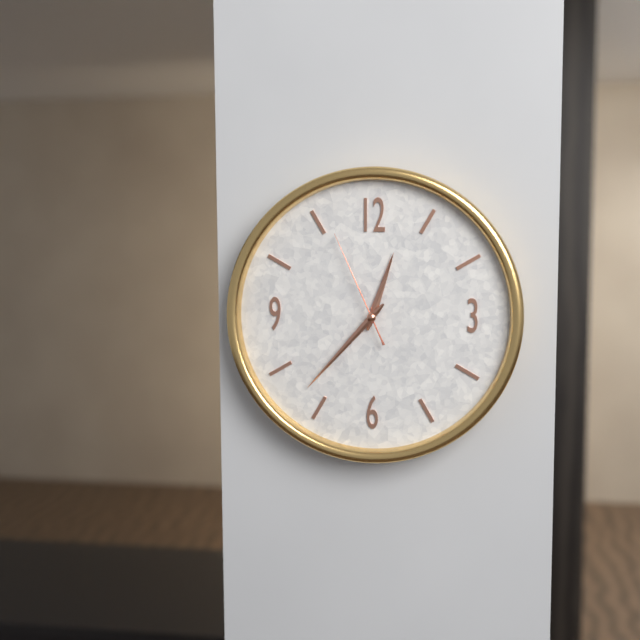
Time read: 12:37:56
